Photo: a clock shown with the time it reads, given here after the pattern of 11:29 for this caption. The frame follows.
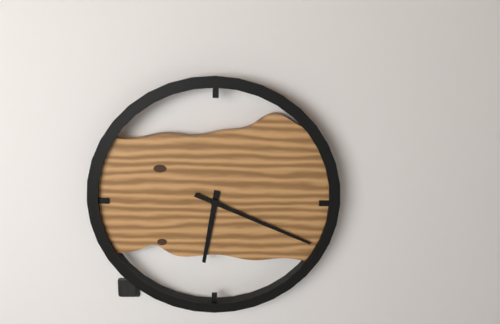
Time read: 6:19
